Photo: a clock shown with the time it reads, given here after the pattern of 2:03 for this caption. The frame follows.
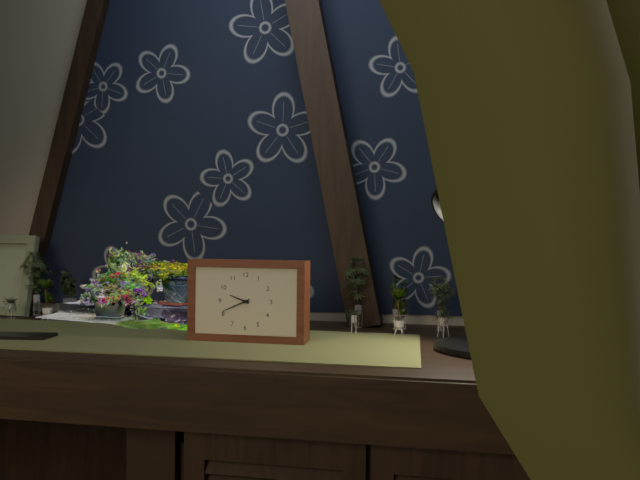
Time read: 9:41
